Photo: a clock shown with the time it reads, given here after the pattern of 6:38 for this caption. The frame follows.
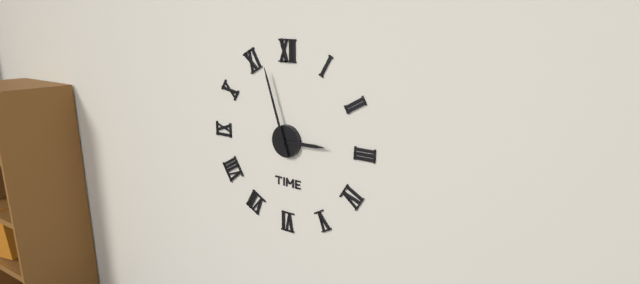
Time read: 2:57
